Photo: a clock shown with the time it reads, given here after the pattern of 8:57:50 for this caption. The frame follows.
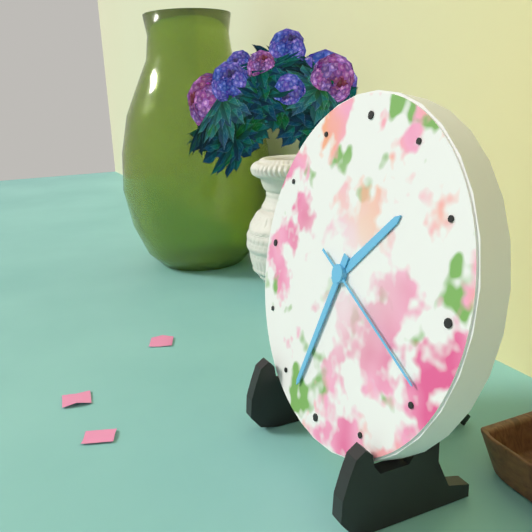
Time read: 1:33:19
